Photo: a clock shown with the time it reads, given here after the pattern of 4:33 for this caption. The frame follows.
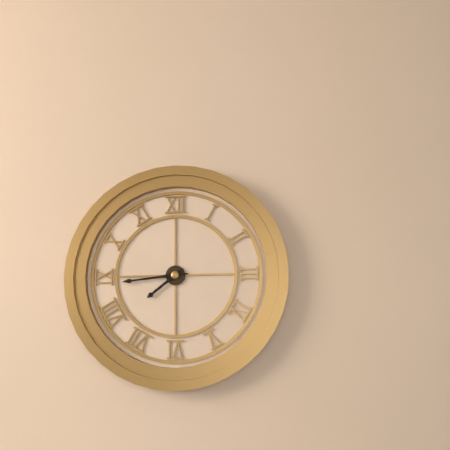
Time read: 7:44
